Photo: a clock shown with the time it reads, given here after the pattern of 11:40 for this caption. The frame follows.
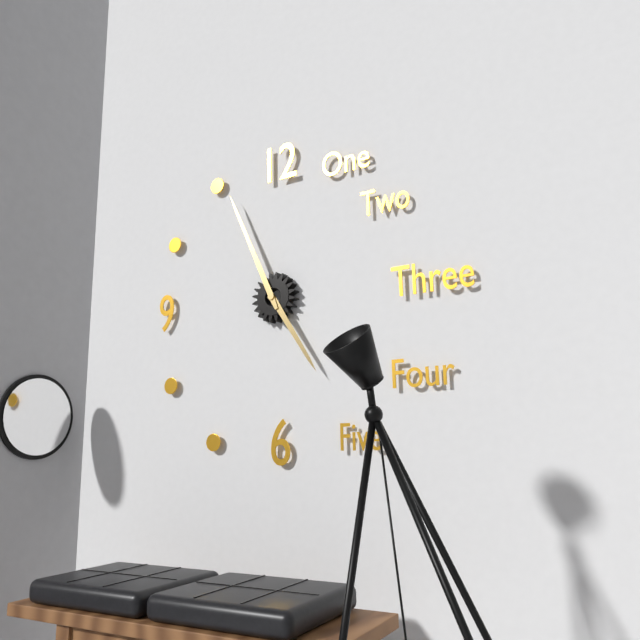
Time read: 4:56
